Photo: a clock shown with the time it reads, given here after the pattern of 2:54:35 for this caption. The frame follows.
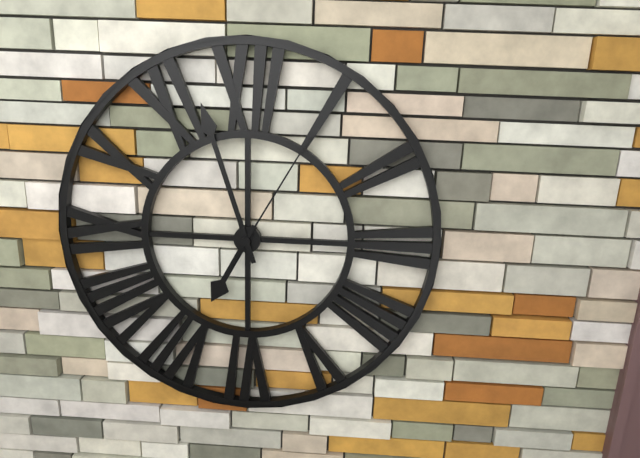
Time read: 6:57:05
